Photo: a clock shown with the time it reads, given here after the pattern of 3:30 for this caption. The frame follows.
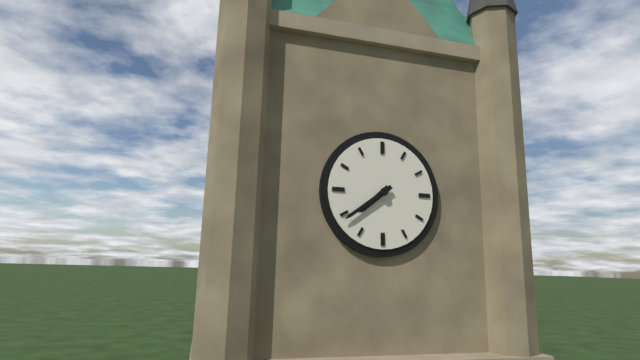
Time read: 7:39
